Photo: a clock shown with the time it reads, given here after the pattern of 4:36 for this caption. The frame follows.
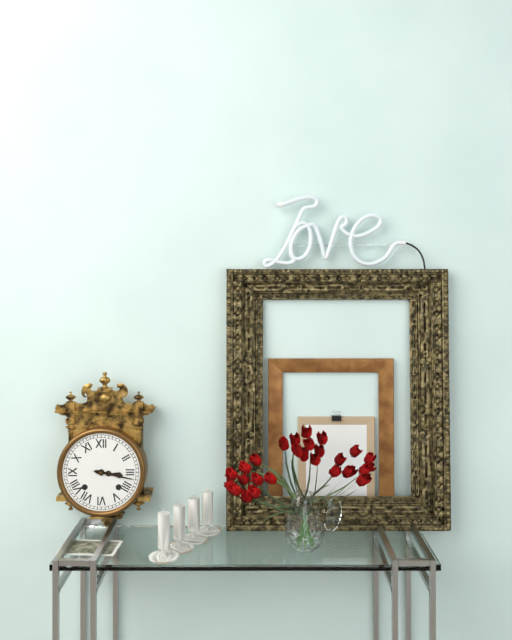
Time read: 3:17
